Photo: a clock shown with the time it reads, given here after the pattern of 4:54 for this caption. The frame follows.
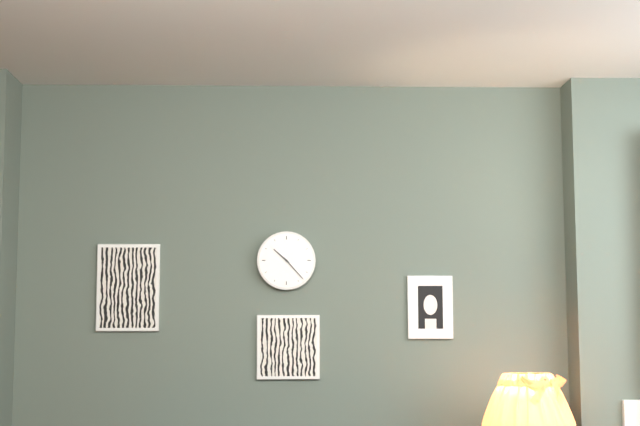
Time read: 10:23
